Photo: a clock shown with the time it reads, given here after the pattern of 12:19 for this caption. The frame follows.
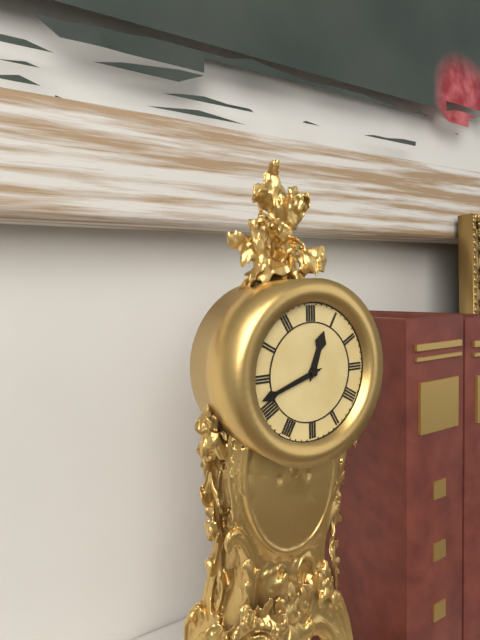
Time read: 12:42
